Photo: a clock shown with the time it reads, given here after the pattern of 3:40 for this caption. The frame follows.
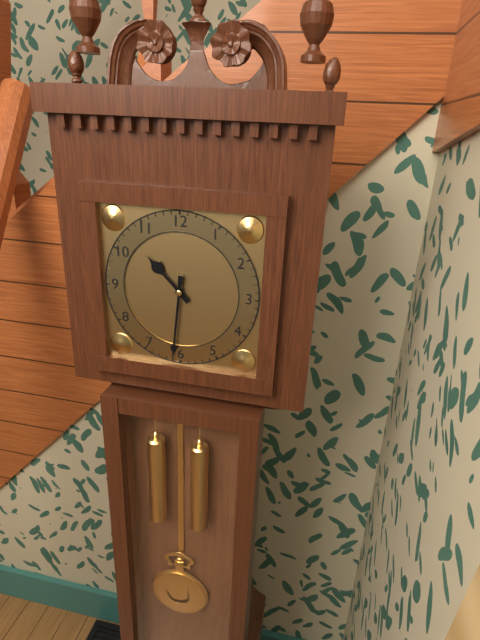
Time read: 10:31
